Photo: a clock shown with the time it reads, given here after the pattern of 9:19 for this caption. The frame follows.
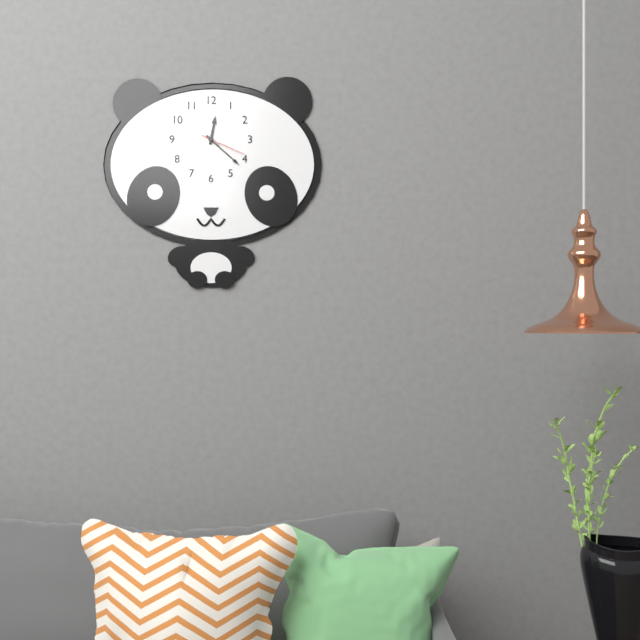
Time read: 12:22
